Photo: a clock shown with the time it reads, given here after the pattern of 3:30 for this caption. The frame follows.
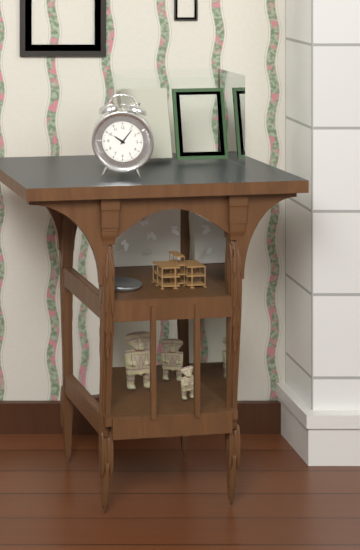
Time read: 10:06
